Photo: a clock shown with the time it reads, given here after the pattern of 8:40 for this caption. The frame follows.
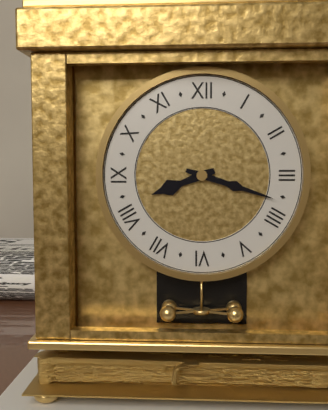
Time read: 8:18
